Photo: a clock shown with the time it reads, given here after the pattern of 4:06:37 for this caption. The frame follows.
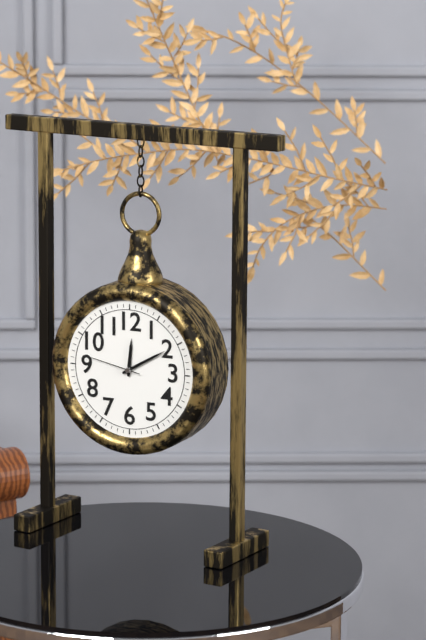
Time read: 12:10:47
